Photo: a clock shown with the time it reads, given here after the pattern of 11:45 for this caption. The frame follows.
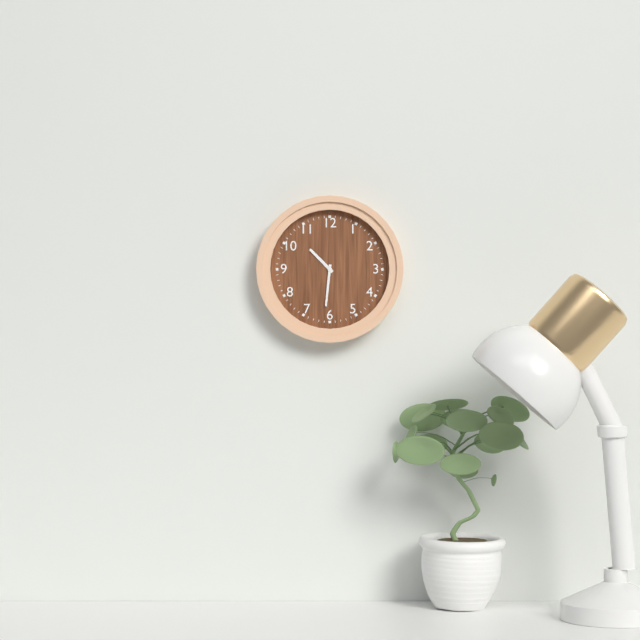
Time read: 10:31
